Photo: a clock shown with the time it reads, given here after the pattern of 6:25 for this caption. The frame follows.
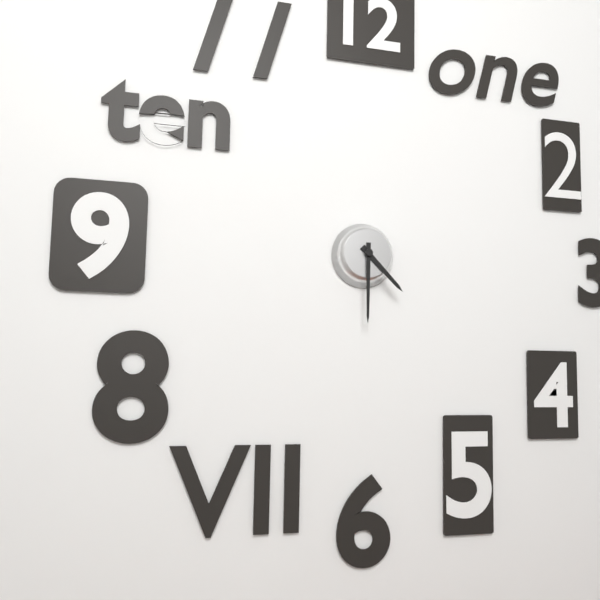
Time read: 4:30
